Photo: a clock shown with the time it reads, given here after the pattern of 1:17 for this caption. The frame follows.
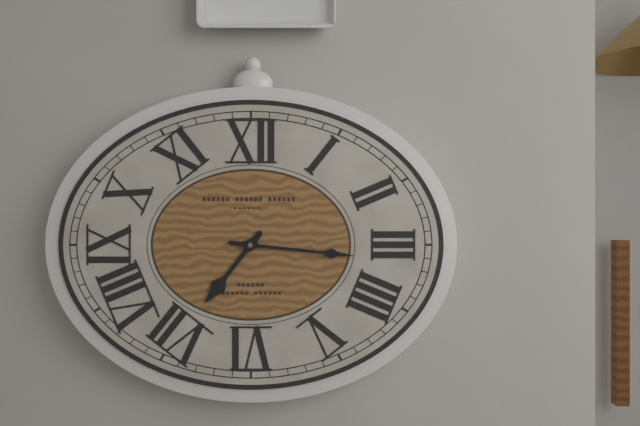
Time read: 7:16
